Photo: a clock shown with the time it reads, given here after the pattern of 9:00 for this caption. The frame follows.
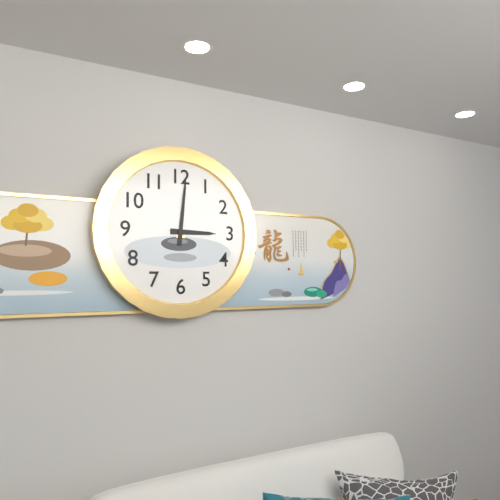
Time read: 3:01
